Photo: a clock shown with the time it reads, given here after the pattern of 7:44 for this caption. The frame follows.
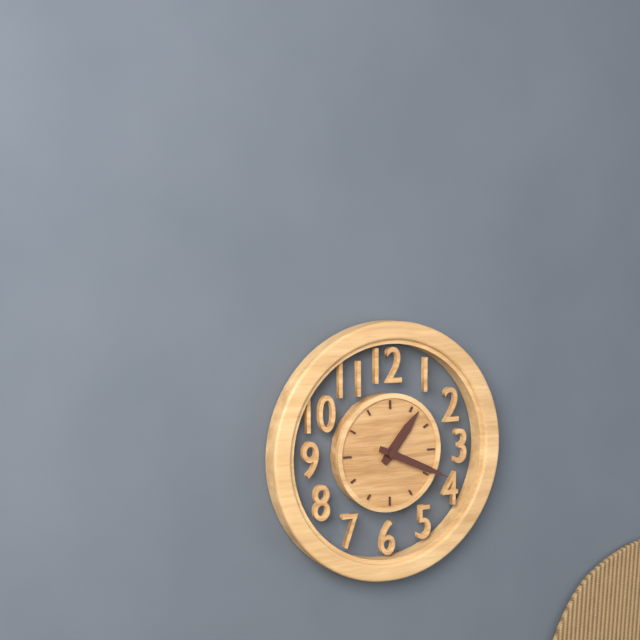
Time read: 1:19
